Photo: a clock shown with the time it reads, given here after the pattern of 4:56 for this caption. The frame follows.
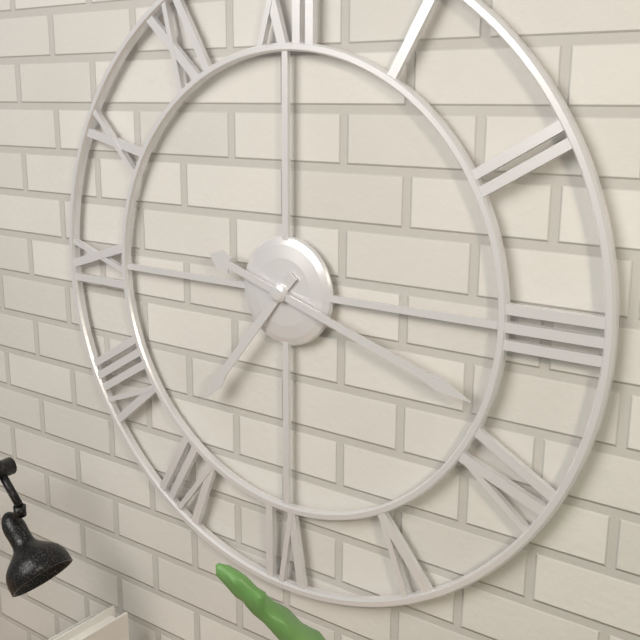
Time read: 7:18
